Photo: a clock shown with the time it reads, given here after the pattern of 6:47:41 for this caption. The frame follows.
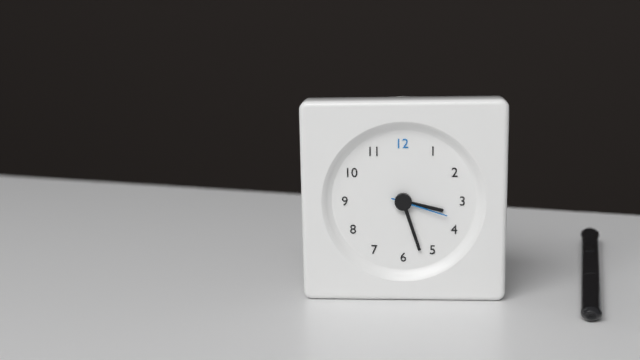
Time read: 3:27:18
